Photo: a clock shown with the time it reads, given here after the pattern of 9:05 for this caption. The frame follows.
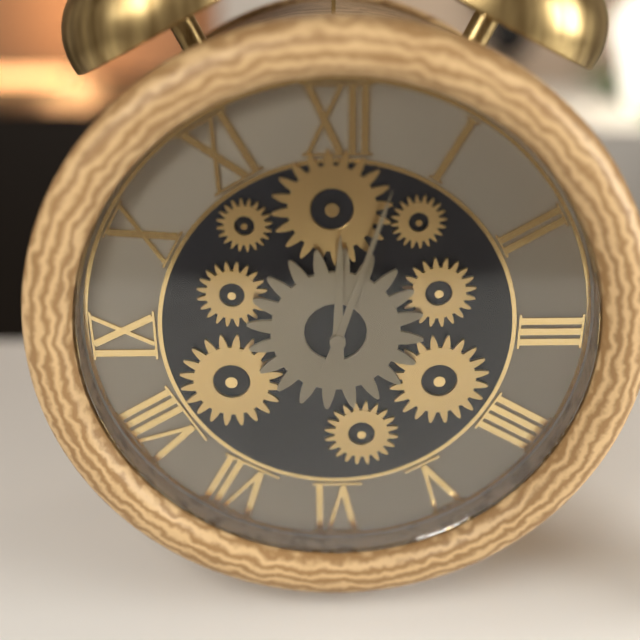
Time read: 12:03
